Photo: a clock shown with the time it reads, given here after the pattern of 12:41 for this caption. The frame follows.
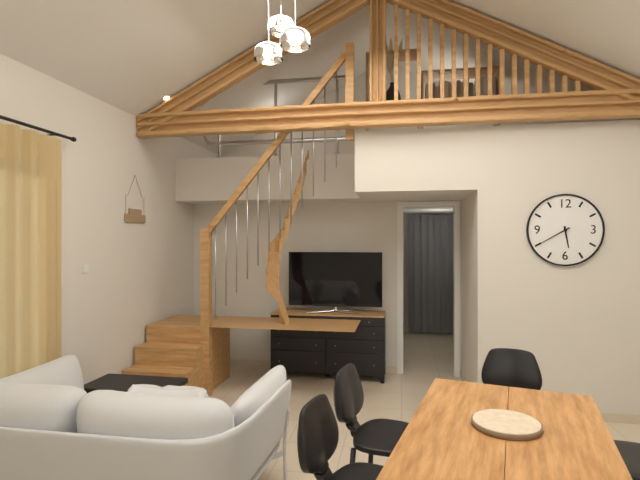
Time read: 5:40
